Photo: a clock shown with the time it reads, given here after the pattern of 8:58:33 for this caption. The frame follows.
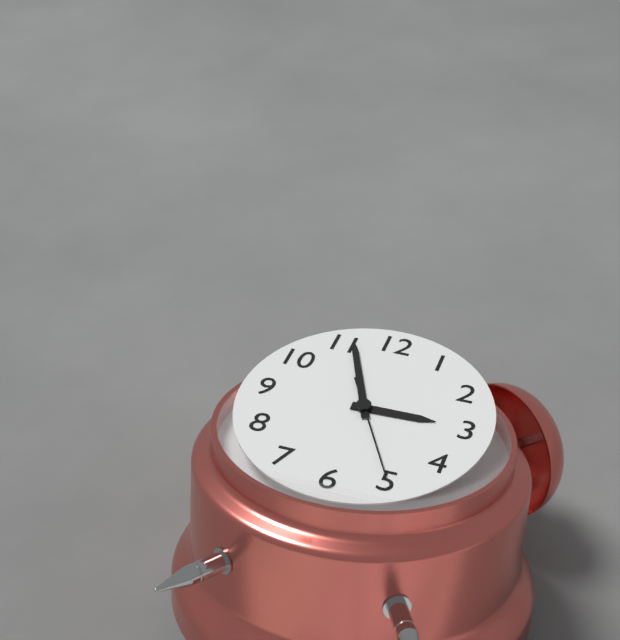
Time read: 2:56:25
